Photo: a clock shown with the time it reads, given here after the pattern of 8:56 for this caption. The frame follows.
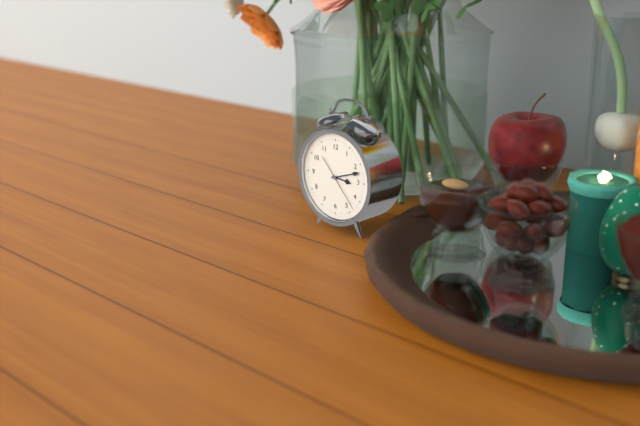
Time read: 3:12
